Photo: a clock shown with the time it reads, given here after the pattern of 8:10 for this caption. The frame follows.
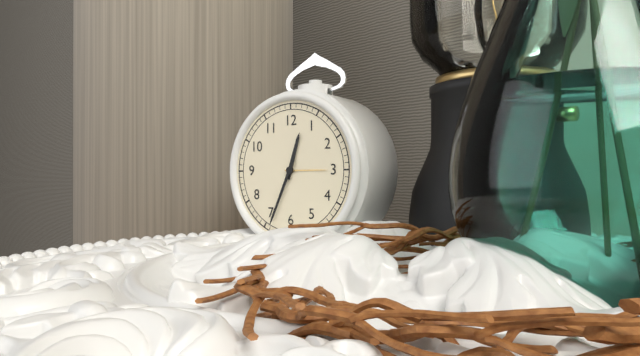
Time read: 12:34
